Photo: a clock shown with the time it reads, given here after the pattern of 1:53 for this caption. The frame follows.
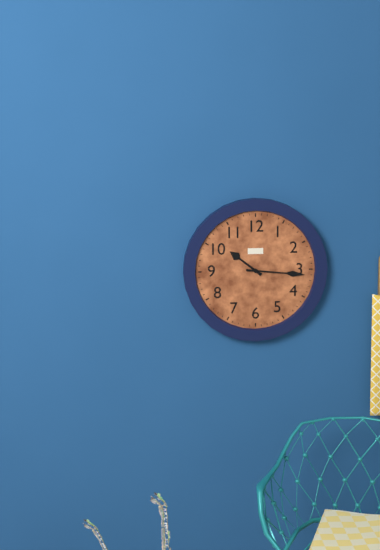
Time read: 10:16
